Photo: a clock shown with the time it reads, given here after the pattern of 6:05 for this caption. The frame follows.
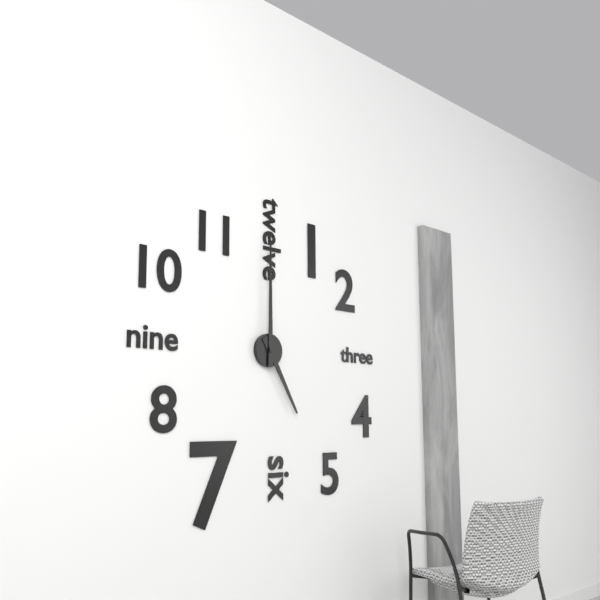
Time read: 5:00
